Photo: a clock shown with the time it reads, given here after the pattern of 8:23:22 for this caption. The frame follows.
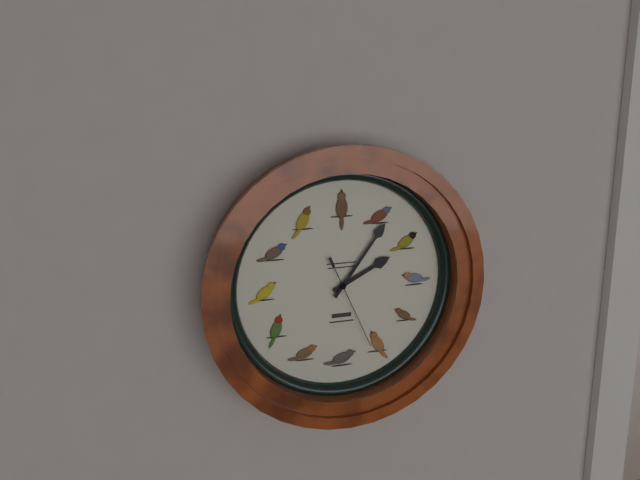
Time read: 2:06:26
